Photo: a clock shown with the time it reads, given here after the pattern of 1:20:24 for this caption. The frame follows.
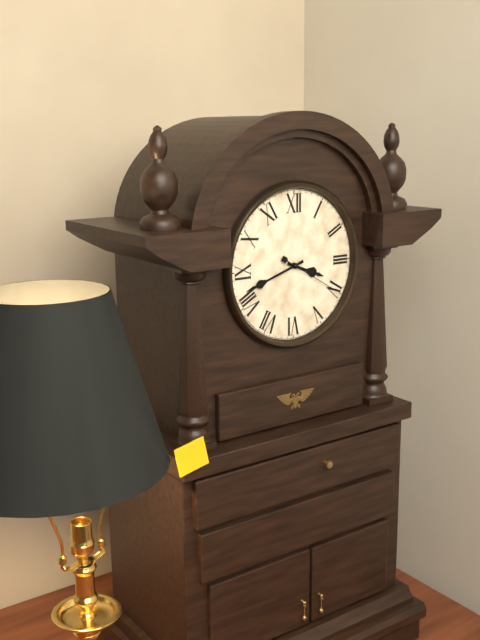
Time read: 3:42:20
